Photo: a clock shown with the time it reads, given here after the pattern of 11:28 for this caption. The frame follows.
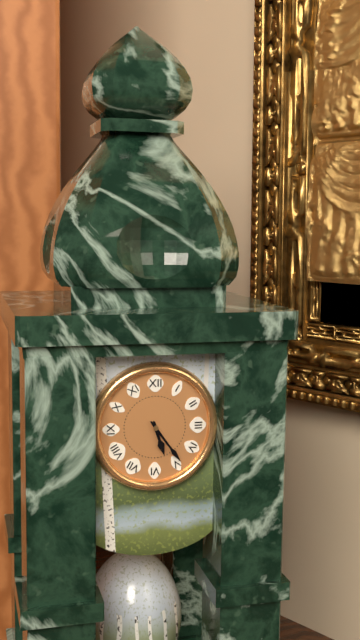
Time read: 5:24
